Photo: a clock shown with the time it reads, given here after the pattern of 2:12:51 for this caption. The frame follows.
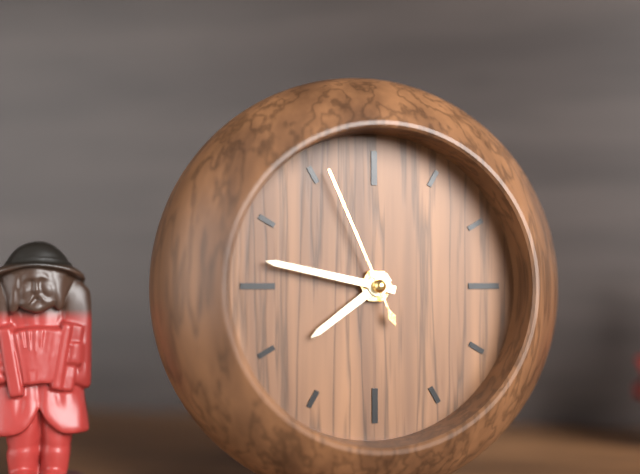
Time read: 7:47:56
